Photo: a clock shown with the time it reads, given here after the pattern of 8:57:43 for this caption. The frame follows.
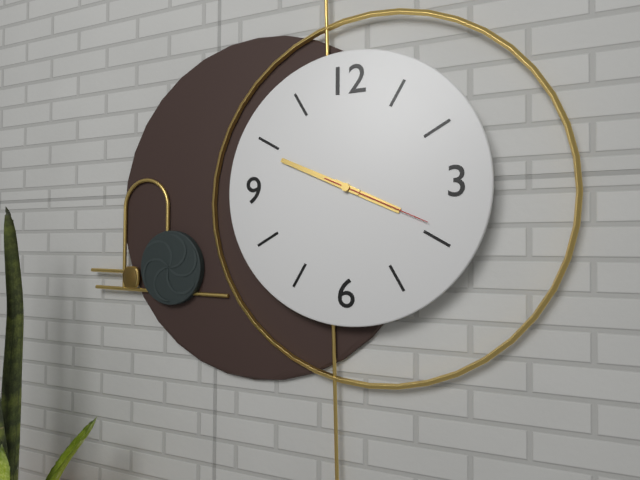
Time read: 3:49:19
